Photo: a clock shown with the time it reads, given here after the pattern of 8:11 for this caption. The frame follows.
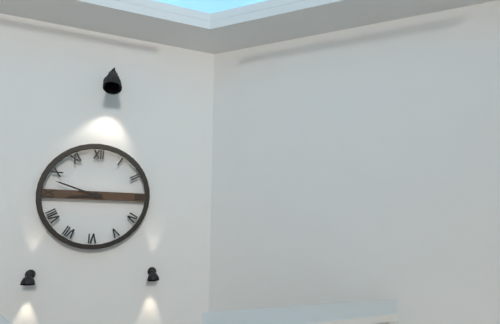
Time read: 8:48
